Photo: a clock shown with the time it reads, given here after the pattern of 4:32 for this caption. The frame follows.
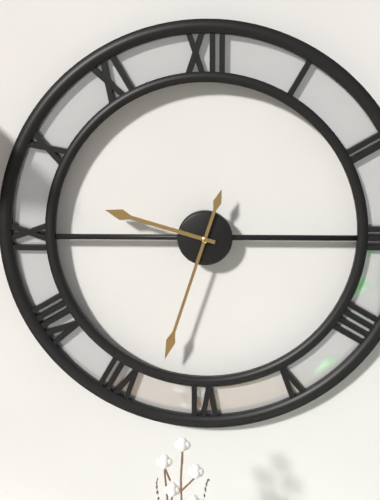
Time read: 9:33
